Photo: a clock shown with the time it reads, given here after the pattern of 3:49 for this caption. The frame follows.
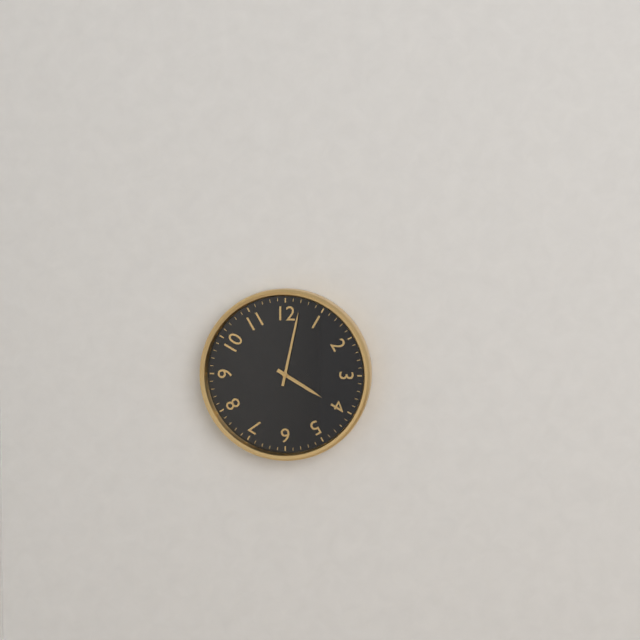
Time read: 4:02
